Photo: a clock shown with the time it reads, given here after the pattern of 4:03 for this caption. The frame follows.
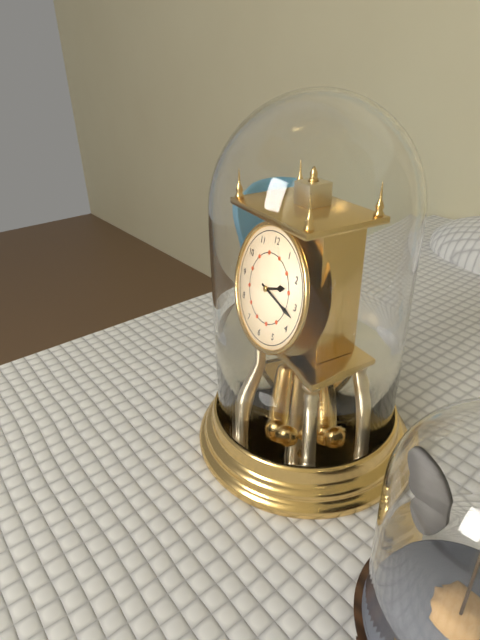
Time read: 2:17
